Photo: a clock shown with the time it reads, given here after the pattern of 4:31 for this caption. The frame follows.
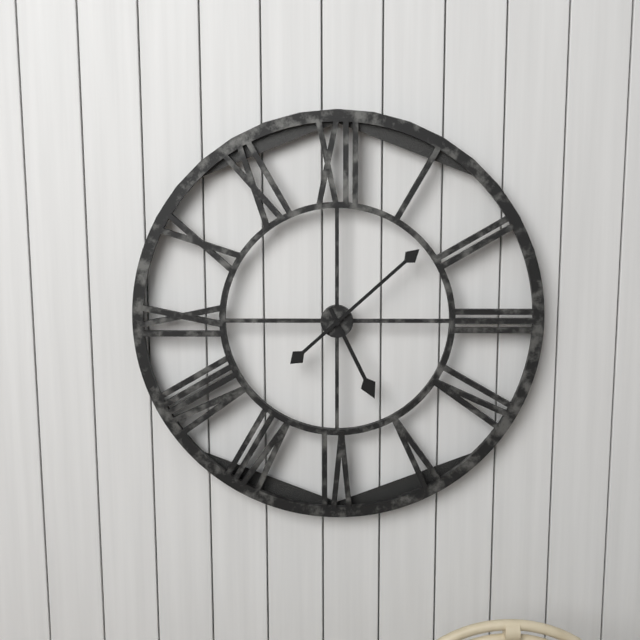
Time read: 5:08
